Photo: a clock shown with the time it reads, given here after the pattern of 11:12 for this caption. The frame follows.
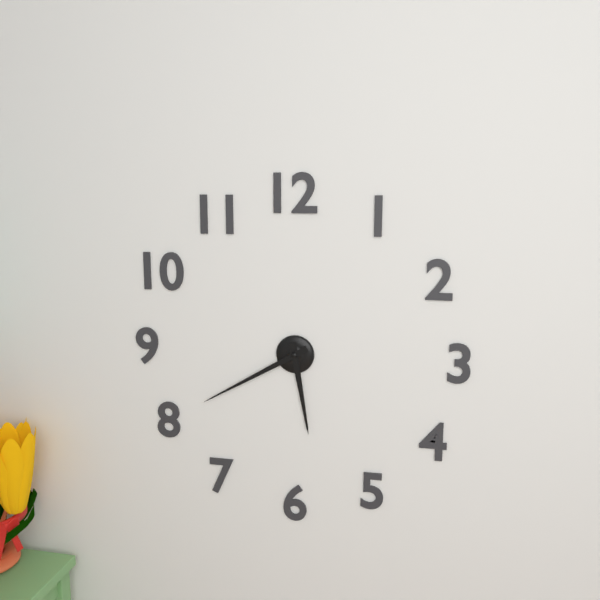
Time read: 5:40
